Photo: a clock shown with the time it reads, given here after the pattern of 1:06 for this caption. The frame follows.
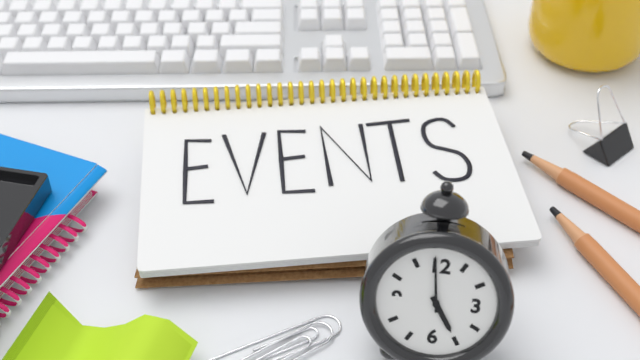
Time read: 4:59
